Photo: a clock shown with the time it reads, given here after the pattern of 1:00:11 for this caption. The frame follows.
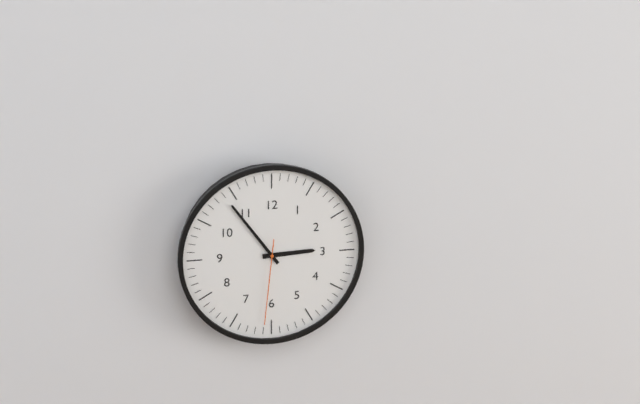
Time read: 2:54:31
